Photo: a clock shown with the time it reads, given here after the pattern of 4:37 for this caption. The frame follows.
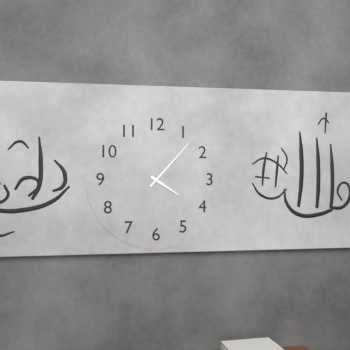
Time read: 4:07
